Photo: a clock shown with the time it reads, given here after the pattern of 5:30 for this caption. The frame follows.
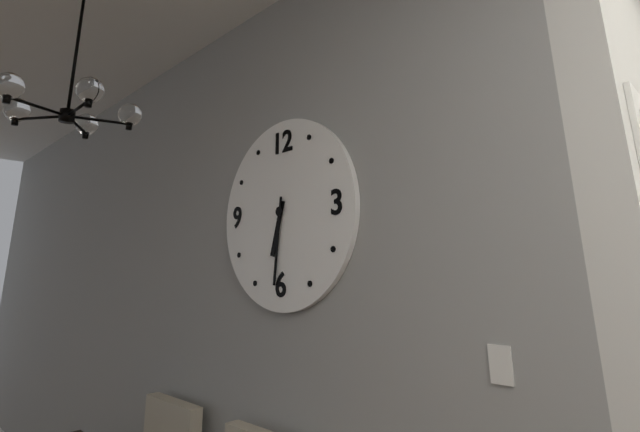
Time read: 6:31
